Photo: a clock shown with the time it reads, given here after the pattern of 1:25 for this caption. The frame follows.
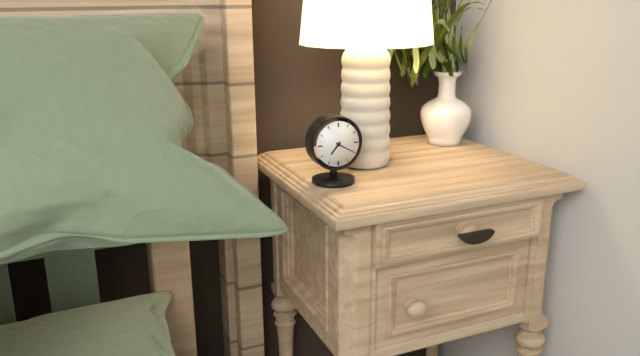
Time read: 7:20
